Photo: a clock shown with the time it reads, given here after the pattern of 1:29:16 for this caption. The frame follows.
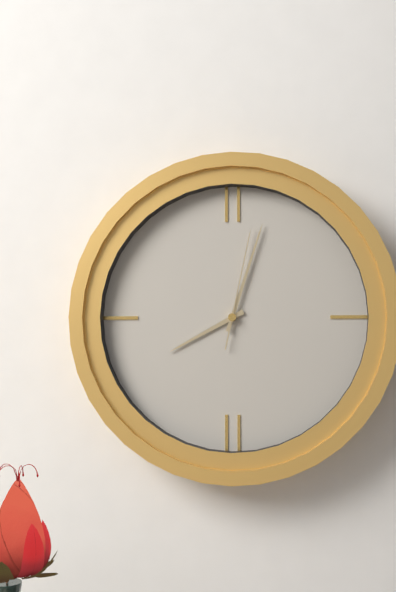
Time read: 8:03:02
